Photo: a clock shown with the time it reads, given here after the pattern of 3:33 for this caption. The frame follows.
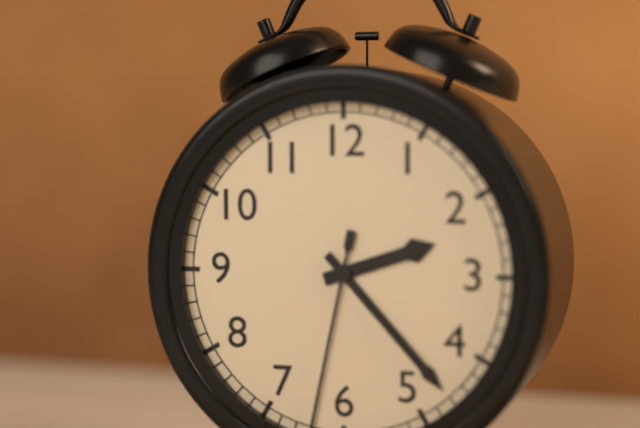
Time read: 2:23
